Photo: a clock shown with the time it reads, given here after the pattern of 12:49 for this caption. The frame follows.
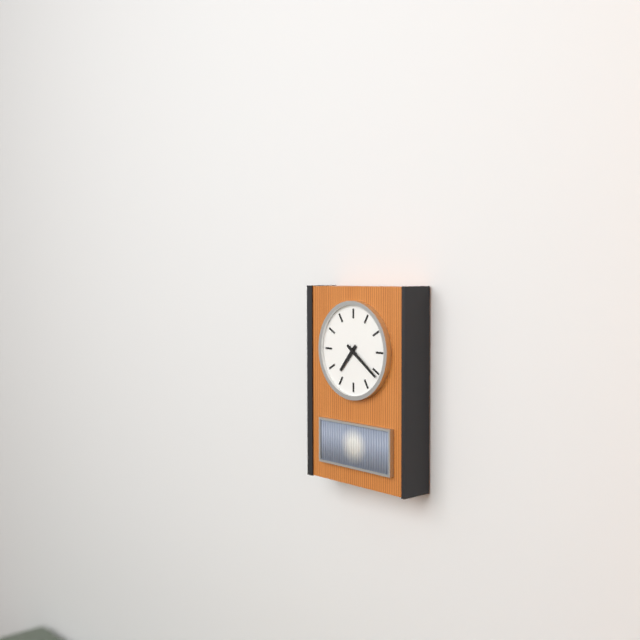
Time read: 7:21
